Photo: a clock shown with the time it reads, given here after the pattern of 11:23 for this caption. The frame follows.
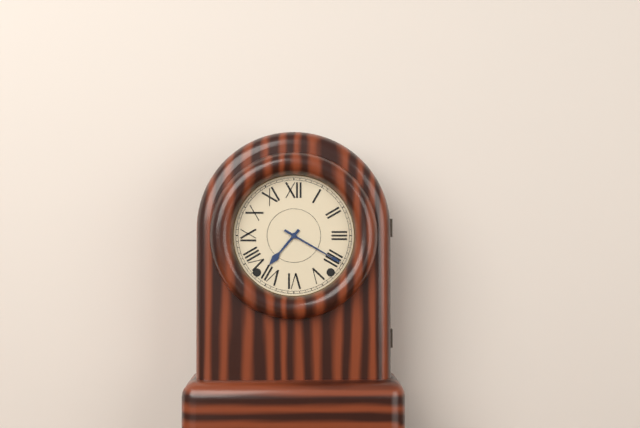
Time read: 7:20
